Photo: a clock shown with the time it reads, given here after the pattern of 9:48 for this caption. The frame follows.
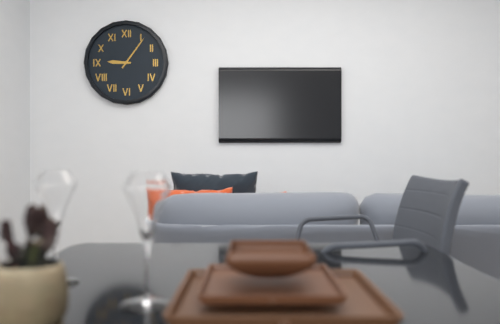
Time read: 9:06
